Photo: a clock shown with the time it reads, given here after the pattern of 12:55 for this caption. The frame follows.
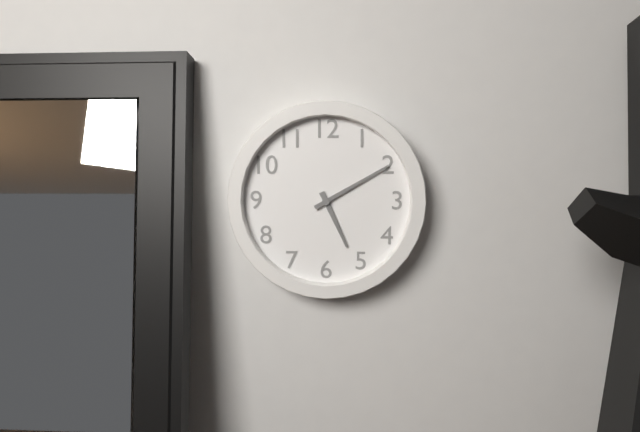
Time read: 5:10
